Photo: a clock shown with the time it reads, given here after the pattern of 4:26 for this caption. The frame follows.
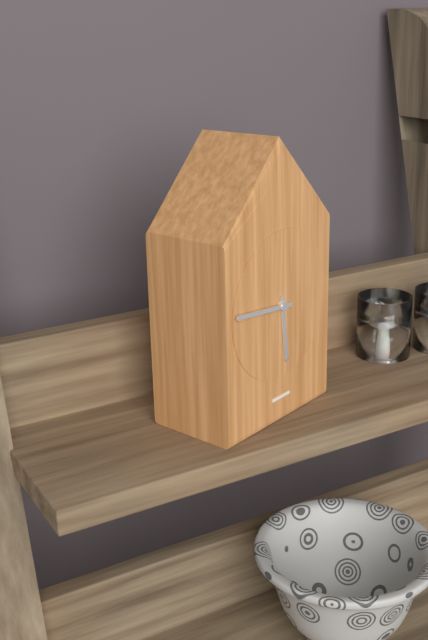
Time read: 5:46
